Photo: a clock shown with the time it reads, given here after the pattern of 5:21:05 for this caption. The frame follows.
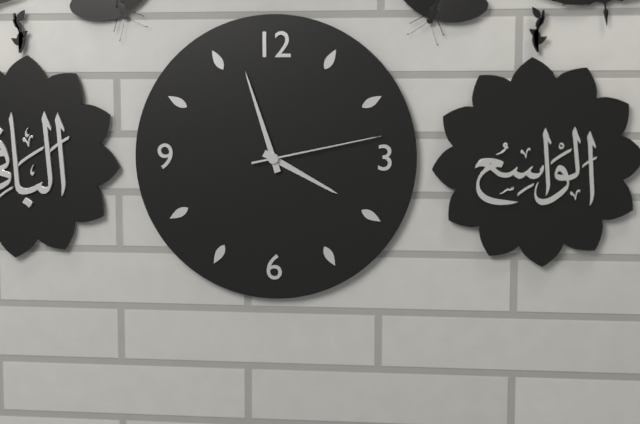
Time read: 3:57:13
